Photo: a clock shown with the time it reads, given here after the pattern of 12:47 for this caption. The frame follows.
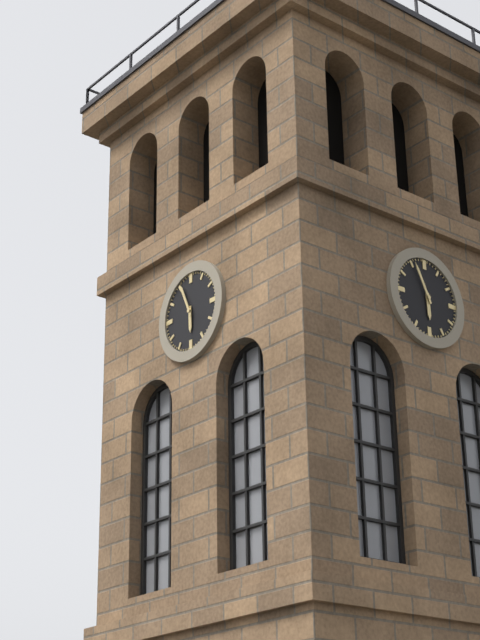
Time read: 5:56
